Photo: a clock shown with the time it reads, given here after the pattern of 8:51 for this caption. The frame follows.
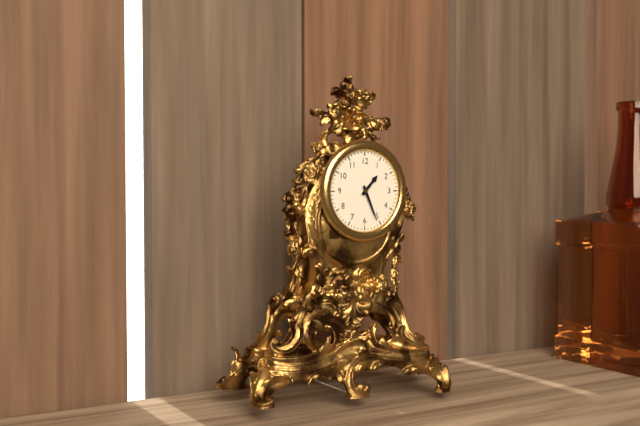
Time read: 1:26
